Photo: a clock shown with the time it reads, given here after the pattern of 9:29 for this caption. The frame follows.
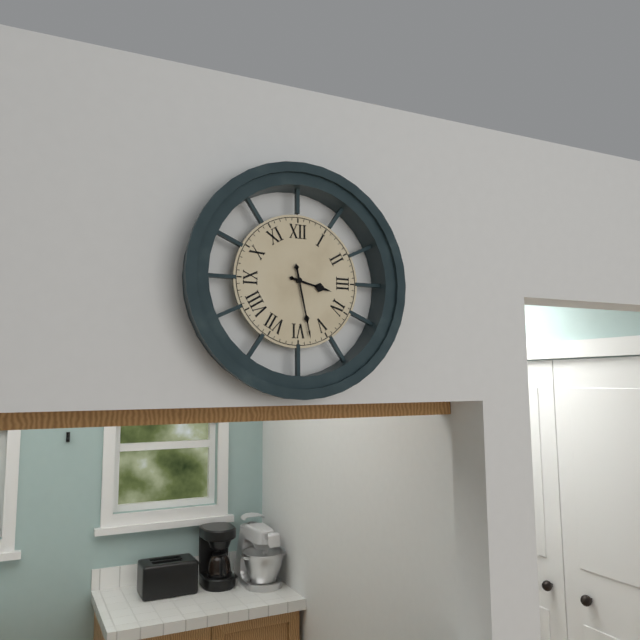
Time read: 3:28
